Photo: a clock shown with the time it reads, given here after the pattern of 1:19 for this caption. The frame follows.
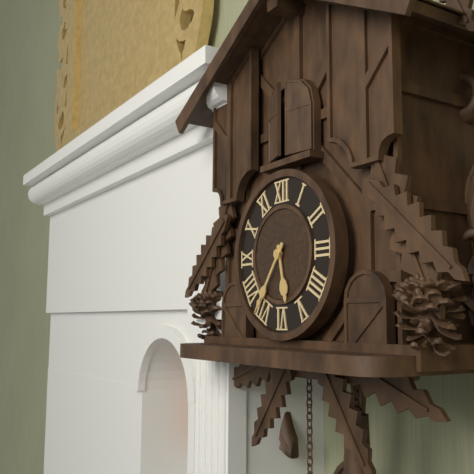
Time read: 5:36
